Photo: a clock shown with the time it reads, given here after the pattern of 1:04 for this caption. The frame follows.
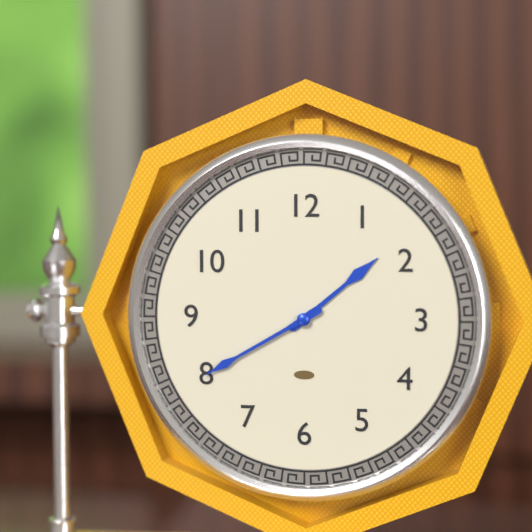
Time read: 1:40
